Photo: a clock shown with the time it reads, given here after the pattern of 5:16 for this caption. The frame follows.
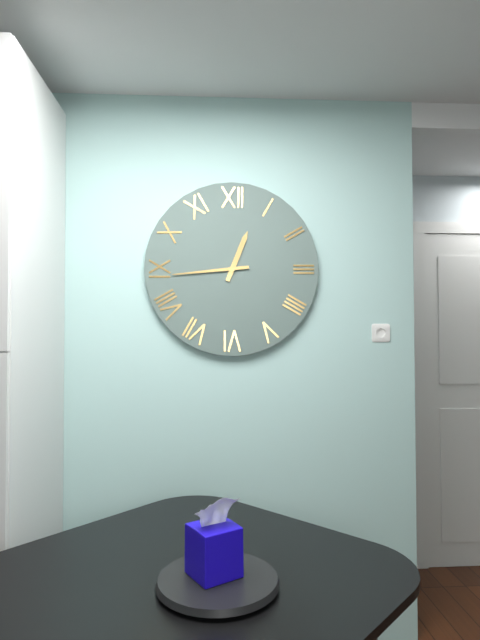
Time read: 12:44
